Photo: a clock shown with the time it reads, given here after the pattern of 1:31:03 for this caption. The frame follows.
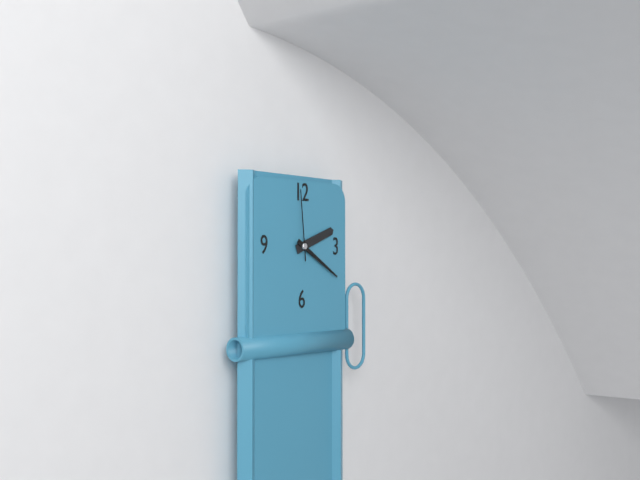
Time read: 2:20:59
